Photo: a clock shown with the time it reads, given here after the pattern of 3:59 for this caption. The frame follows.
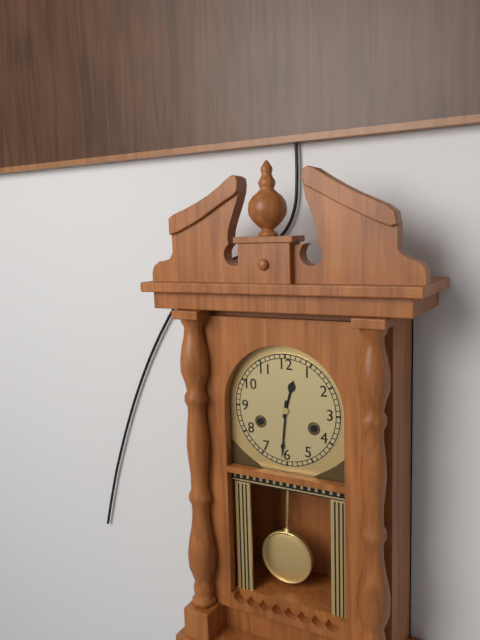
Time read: 12:31
